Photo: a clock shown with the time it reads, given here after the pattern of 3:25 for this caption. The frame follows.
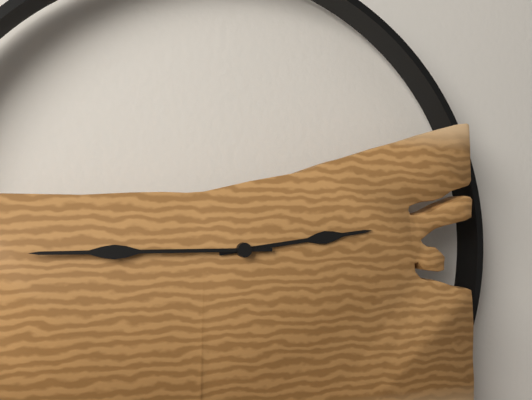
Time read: 2:45
